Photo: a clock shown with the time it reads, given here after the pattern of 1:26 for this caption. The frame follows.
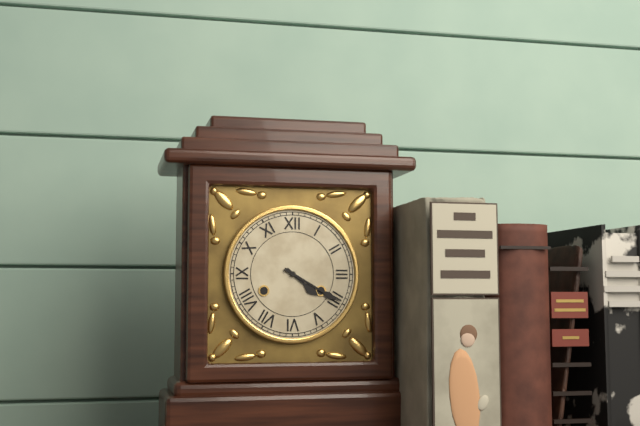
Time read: 4:20
